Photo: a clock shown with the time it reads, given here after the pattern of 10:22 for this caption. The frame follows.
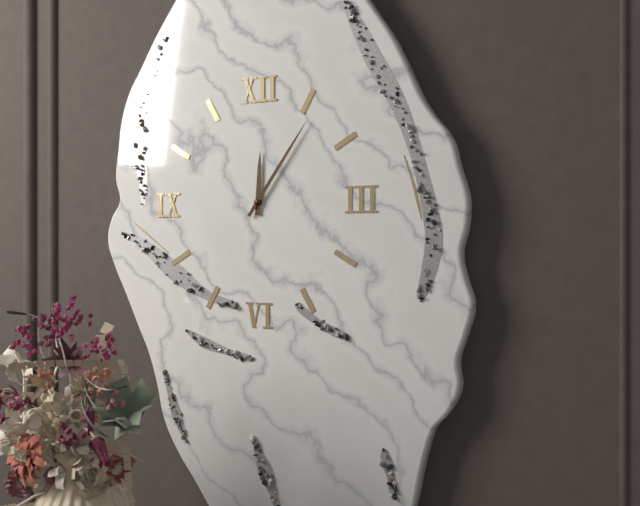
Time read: 12:06
